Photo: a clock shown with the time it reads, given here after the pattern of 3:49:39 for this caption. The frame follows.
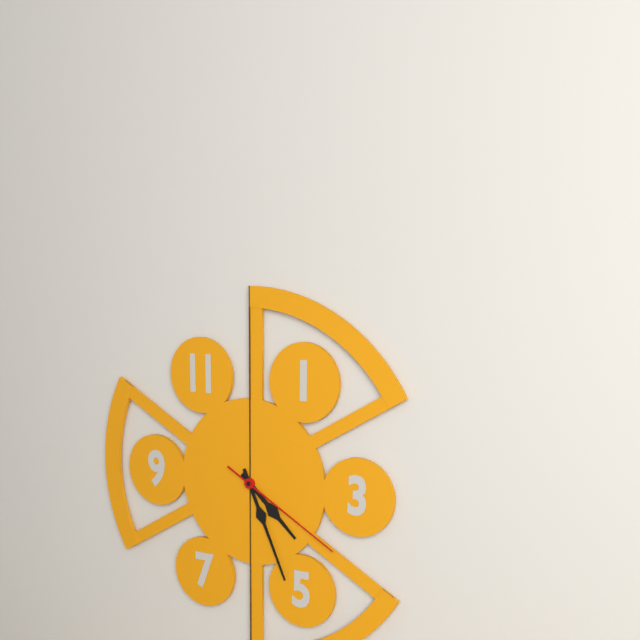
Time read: 4:26:20
